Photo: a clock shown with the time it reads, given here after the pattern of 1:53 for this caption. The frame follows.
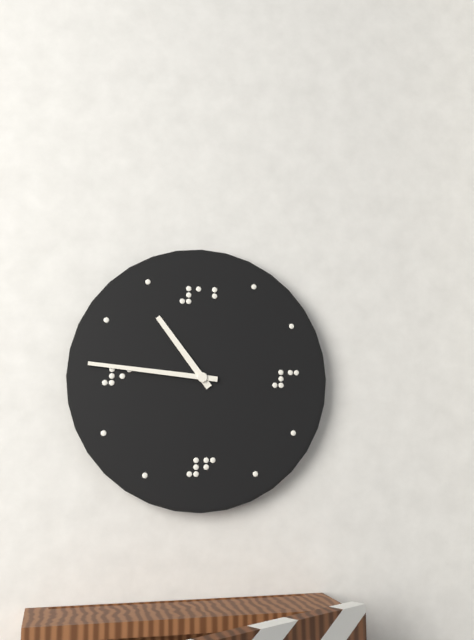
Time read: 10:46
